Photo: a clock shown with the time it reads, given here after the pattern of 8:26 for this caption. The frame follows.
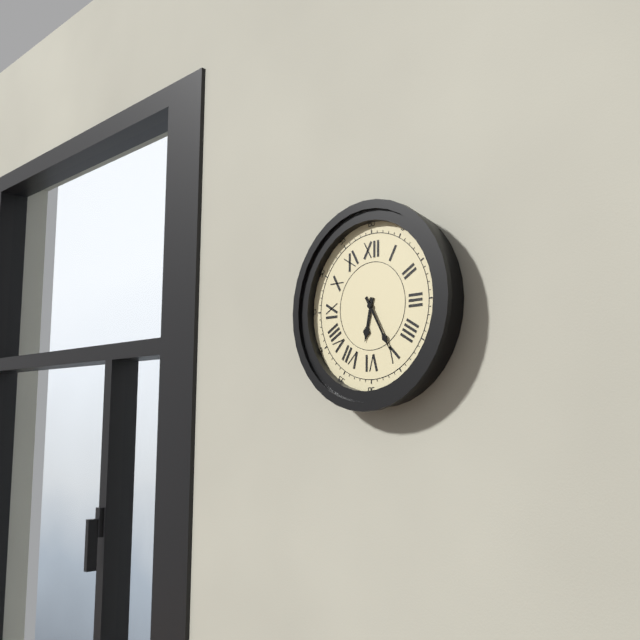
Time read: 6:25
